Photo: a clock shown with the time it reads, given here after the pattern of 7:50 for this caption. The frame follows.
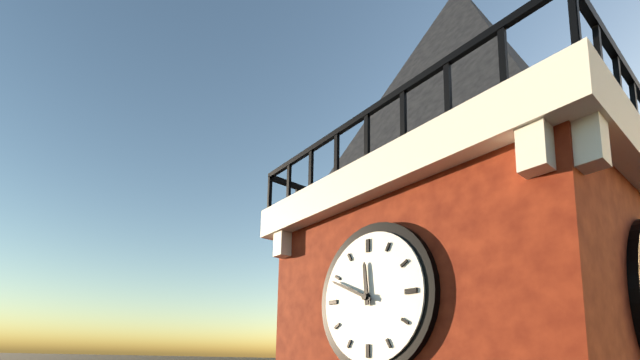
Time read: 11:49
